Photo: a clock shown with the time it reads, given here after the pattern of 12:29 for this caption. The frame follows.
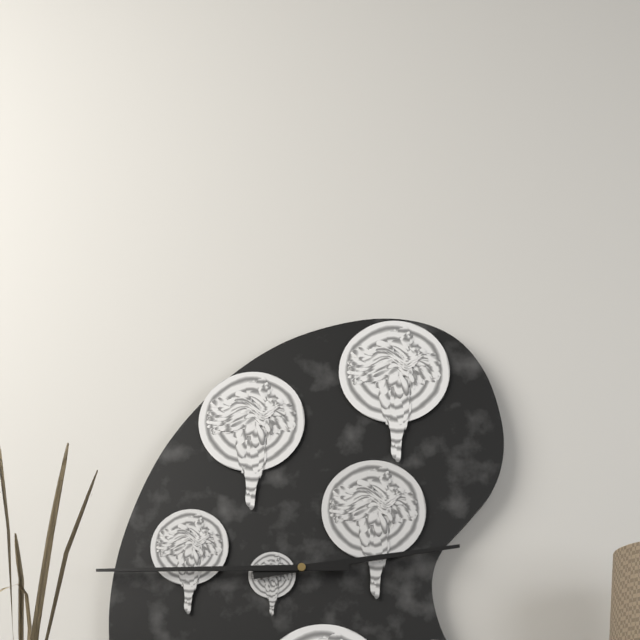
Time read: 2:45
